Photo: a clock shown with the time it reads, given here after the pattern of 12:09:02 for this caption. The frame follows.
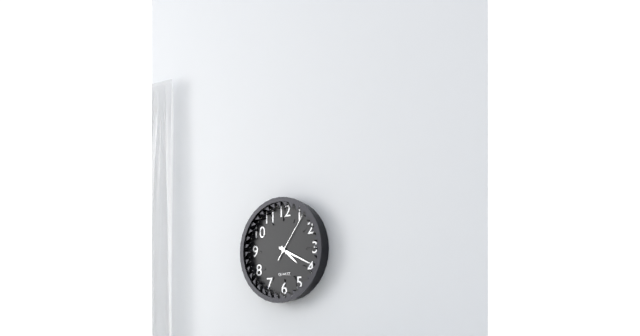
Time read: 4:19:06
